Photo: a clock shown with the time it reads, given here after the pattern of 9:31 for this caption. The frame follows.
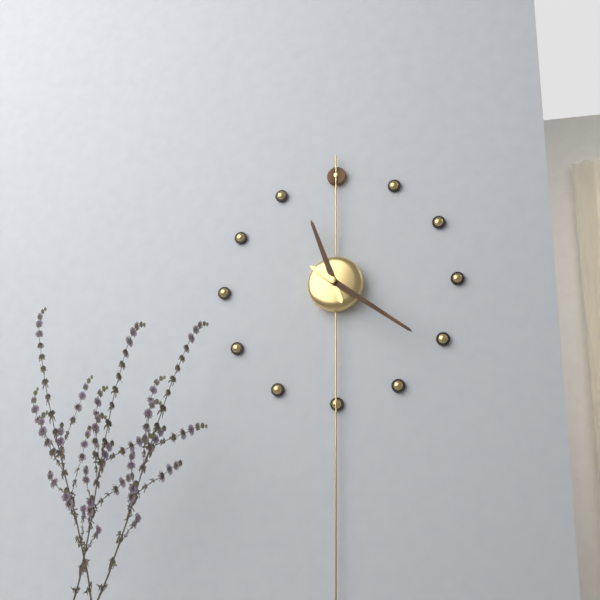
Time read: 11:21
